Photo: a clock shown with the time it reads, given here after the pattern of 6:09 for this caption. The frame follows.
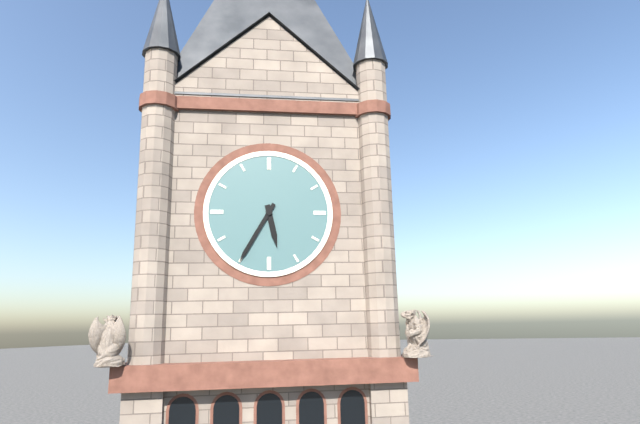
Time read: 5:35
